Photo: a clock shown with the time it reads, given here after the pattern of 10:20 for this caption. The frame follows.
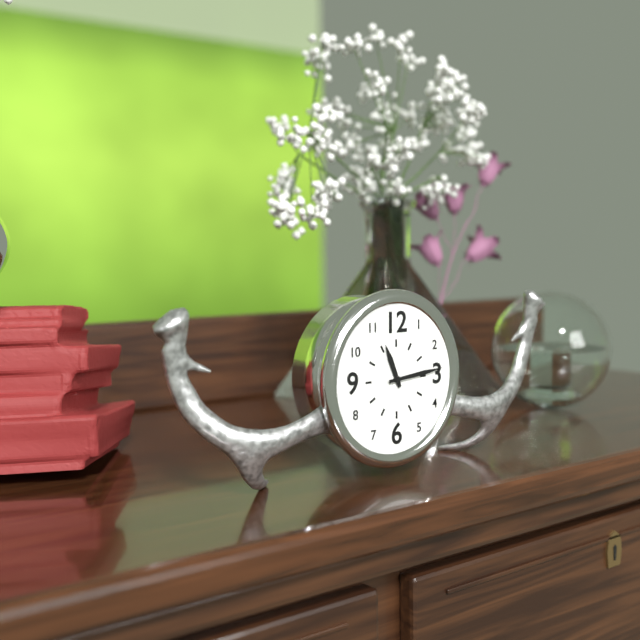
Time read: 11:14
